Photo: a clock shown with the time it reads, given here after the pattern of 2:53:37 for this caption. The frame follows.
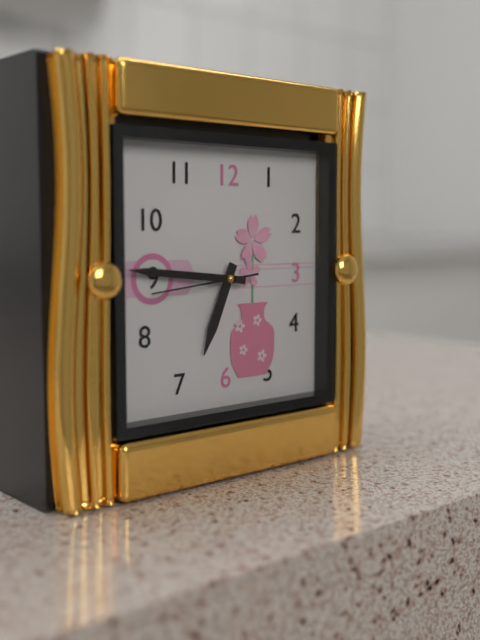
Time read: 6:46:44
